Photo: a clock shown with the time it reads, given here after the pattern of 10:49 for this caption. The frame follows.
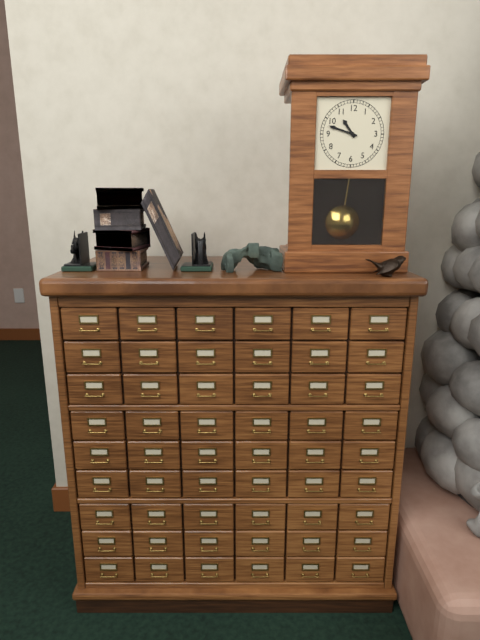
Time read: 10:48
